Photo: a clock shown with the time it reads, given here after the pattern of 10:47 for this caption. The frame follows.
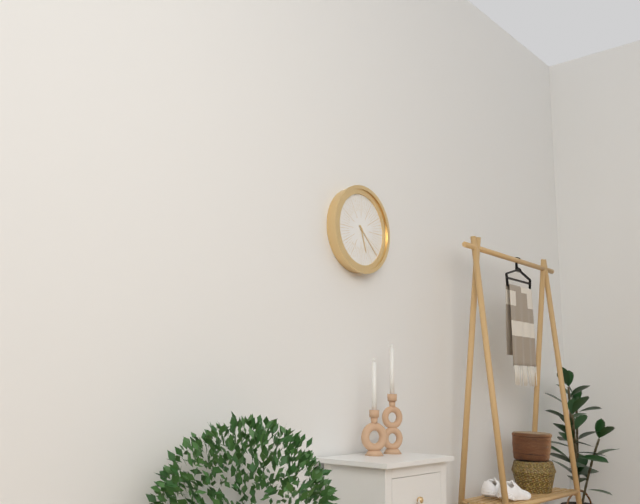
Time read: 5:22
